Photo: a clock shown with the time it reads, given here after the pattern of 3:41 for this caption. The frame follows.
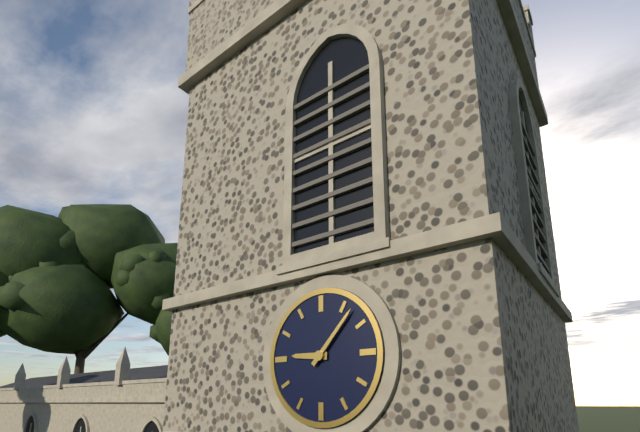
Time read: 9:07
